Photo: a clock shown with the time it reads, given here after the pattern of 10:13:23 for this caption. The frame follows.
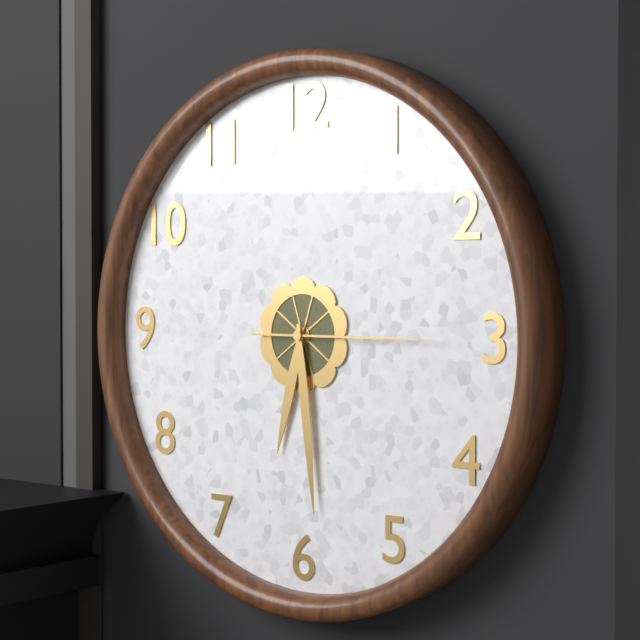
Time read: 6:29:15
